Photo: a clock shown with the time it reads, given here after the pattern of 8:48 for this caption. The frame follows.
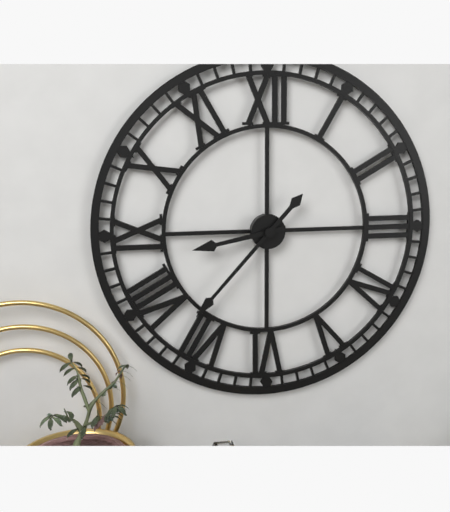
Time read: 8:37
